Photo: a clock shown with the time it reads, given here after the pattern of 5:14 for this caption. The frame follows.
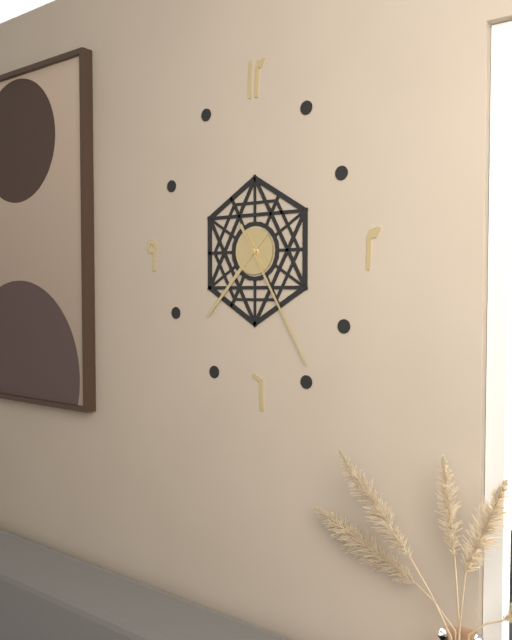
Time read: 7:25
